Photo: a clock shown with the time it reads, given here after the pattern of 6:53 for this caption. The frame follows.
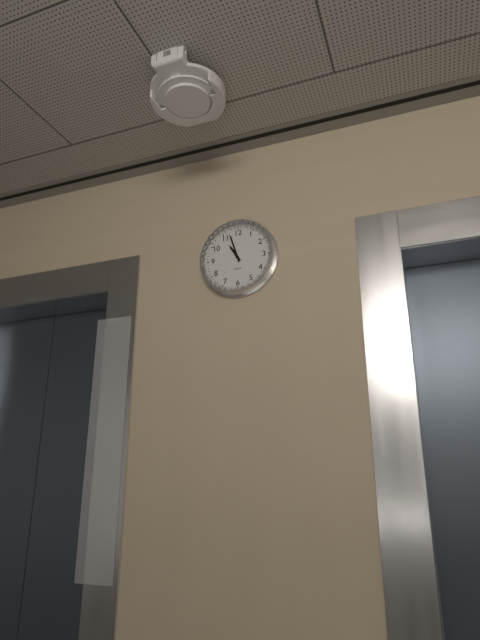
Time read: 10:57
